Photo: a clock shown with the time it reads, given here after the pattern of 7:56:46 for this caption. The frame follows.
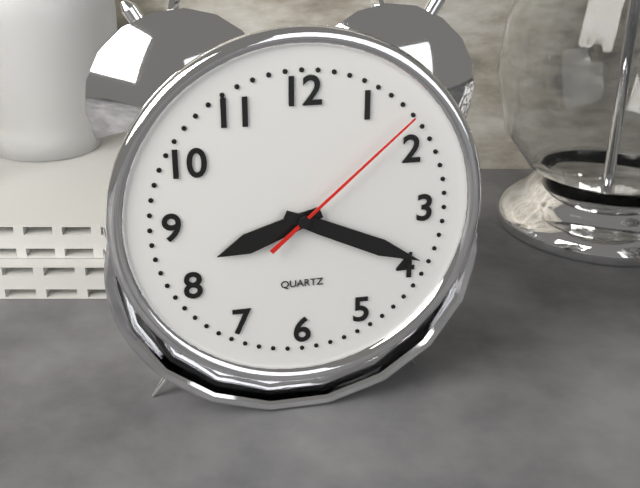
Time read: 8:19:08
